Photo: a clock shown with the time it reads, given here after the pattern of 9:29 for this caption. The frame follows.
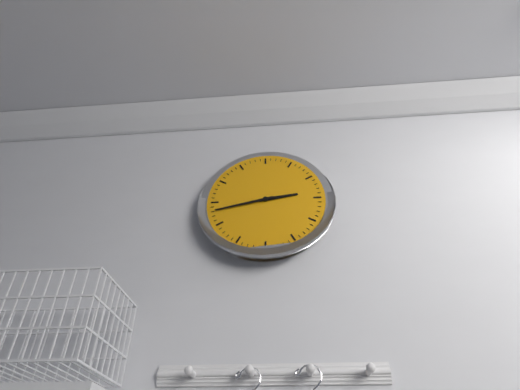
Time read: 2:43
